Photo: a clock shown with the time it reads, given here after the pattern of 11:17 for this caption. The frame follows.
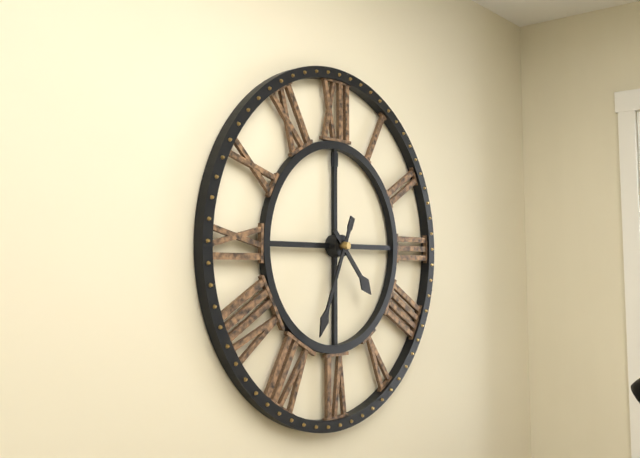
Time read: 4:34
